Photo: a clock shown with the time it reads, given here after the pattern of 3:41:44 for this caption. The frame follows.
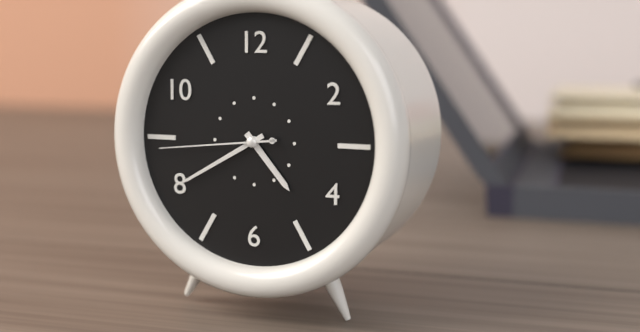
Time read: 4:40:44
